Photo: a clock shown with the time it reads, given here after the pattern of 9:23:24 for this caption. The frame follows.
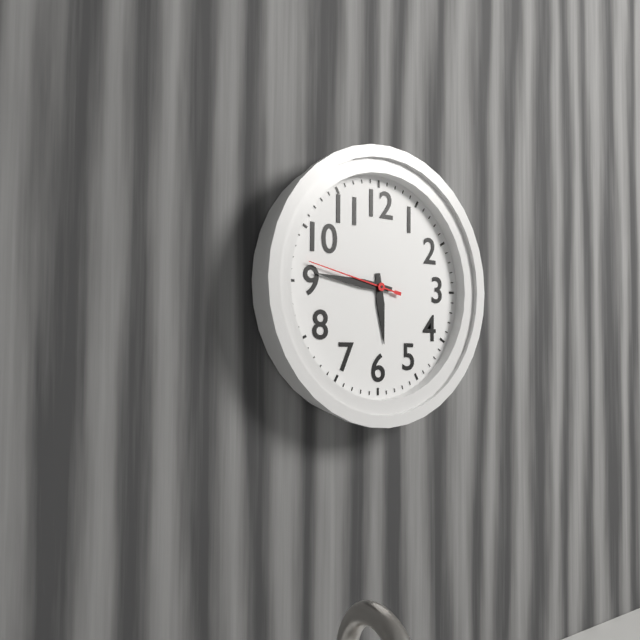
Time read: 5:46:47
